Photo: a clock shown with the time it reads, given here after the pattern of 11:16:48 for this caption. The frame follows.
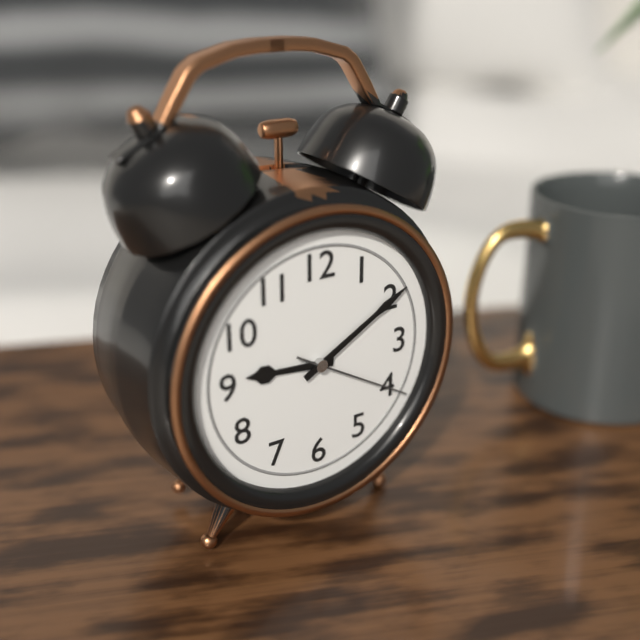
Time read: 9:10:20
